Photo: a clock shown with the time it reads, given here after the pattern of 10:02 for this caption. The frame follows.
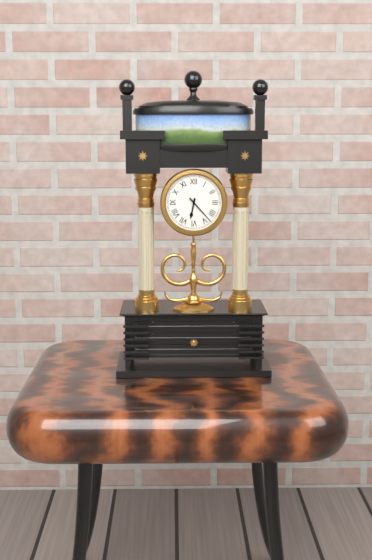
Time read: 6:23
